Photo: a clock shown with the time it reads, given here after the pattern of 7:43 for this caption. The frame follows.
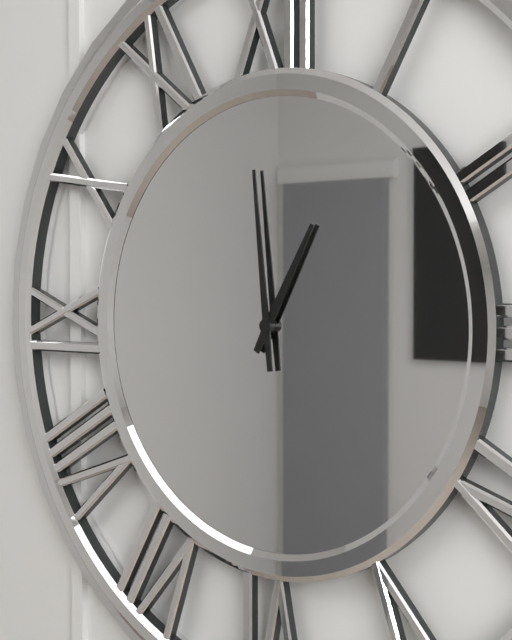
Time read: 12:59
